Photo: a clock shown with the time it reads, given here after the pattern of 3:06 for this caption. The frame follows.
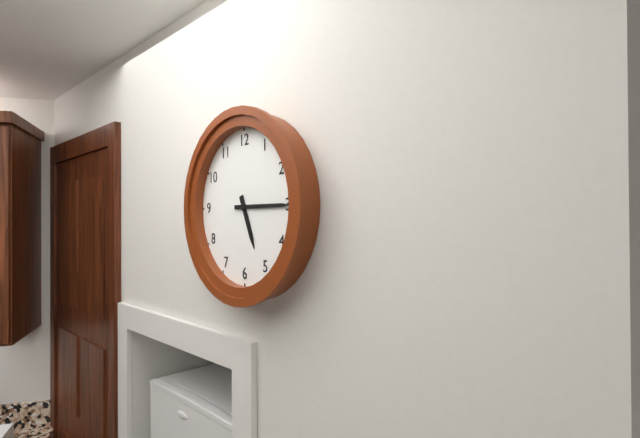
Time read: 5:15
